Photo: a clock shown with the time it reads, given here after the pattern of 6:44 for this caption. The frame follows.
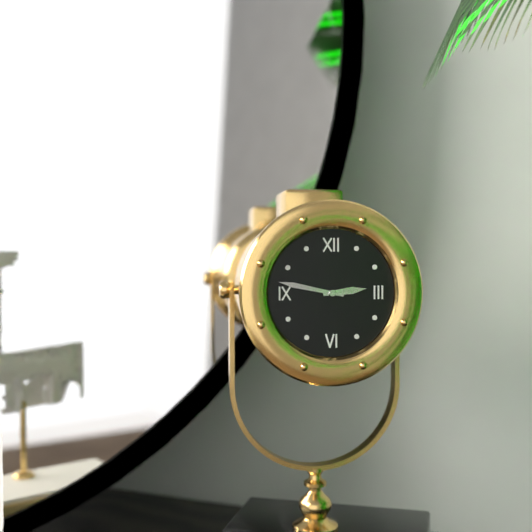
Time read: 2:47
